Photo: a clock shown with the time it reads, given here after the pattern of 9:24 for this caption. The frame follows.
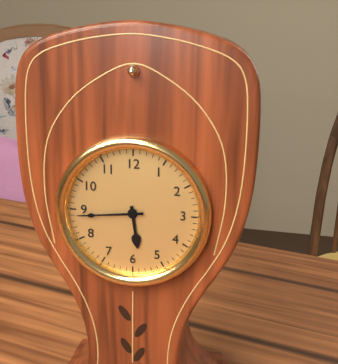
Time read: 5:44
